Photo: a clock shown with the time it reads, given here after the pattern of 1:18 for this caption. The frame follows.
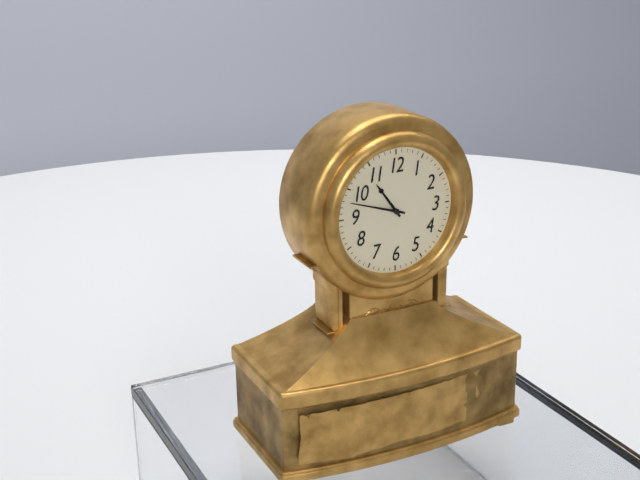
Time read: 10:48
